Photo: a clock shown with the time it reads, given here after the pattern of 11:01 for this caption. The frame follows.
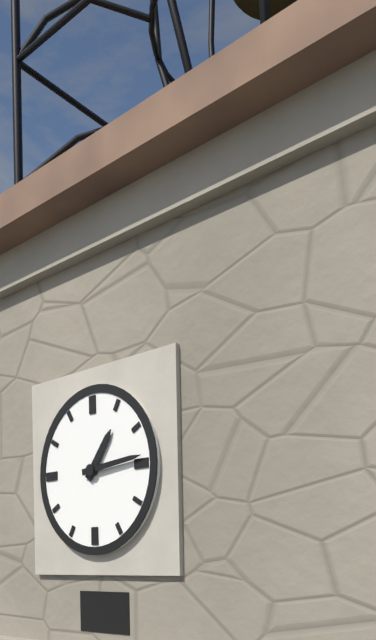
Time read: 1:14
